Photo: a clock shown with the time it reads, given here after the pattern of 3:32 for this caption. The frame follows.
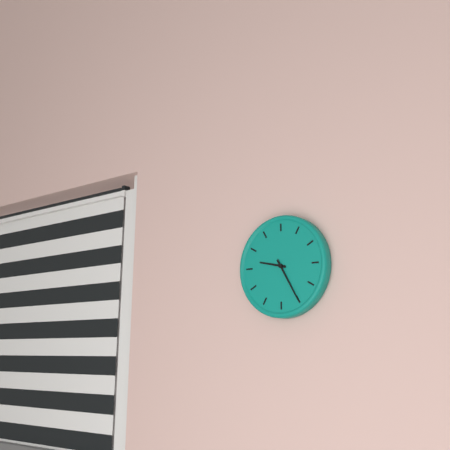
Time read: 9:25
